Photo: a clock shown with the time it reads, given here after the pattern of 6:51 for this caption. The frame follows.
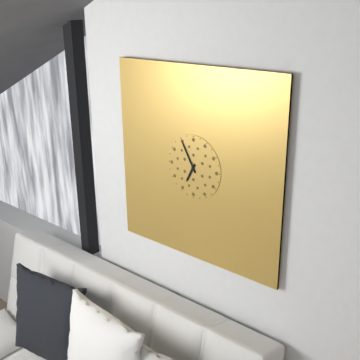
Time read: 6:55
